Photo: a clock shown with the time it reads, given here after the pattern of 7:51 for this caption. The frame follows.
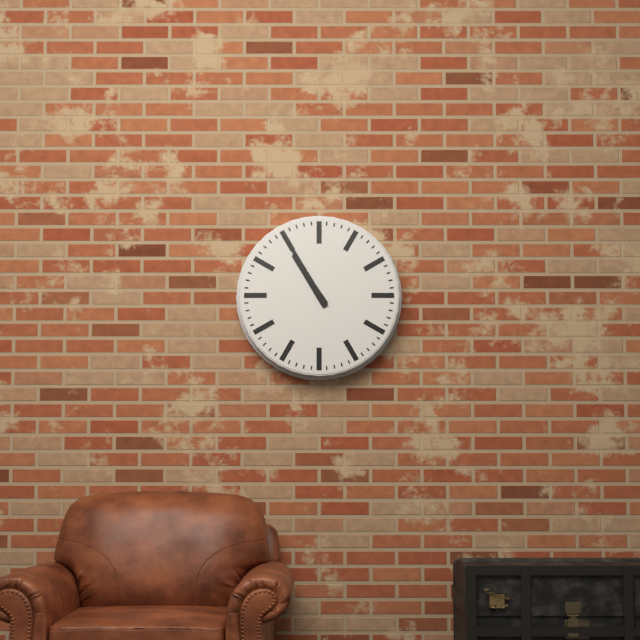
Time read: 10:55
